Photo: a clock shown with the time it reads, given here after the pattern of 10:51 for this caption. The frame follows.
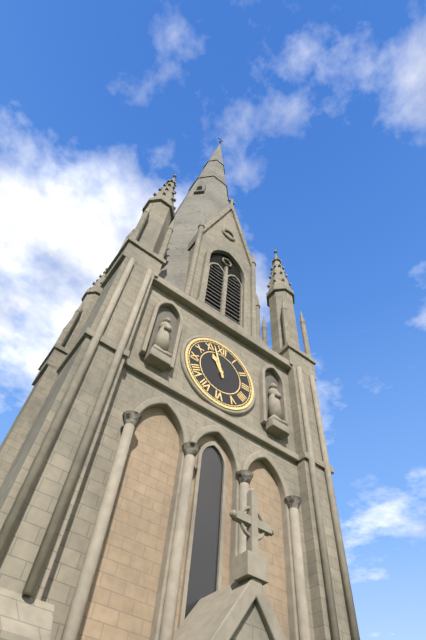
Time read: 10:57
